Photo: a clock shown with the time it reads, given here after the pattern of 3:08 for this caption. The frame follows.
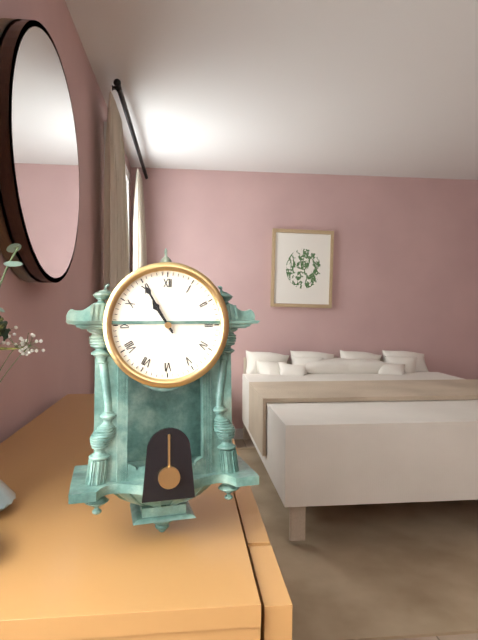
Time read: 10:55
